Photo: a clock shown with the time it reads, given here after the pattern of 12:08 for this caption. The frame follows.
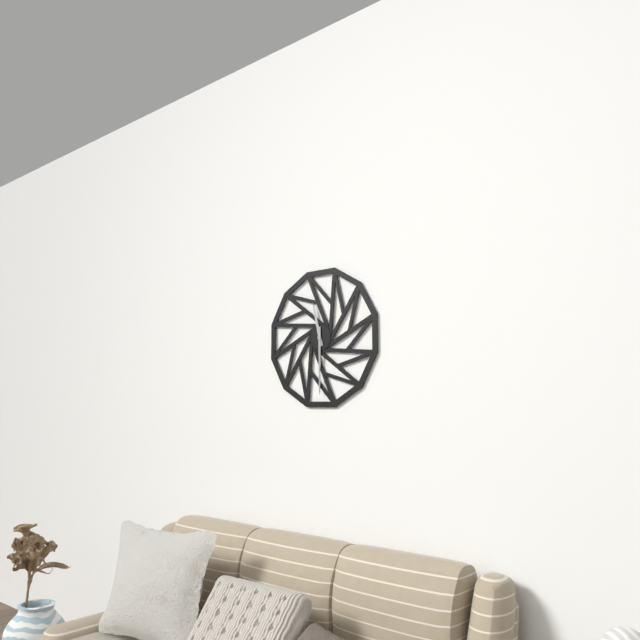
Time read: 11:30
